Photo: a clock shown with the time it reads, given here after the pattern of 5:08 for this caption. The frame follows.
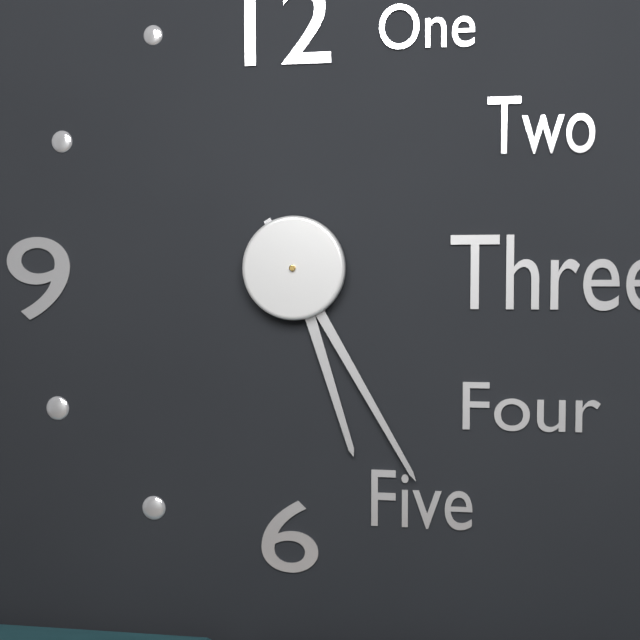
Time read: 5:25
